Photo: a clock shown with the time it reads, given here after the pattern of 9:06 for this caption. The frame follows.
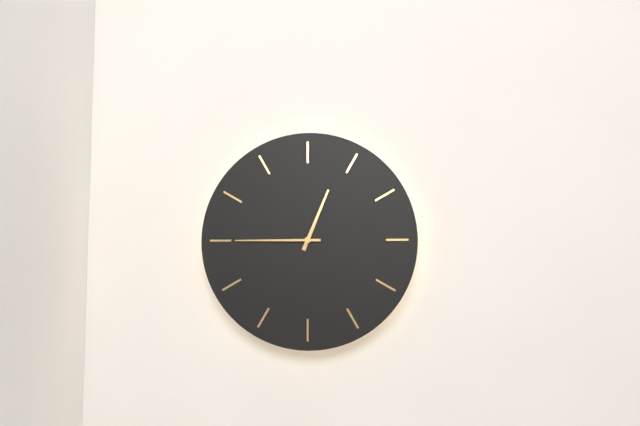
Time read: 12:45
